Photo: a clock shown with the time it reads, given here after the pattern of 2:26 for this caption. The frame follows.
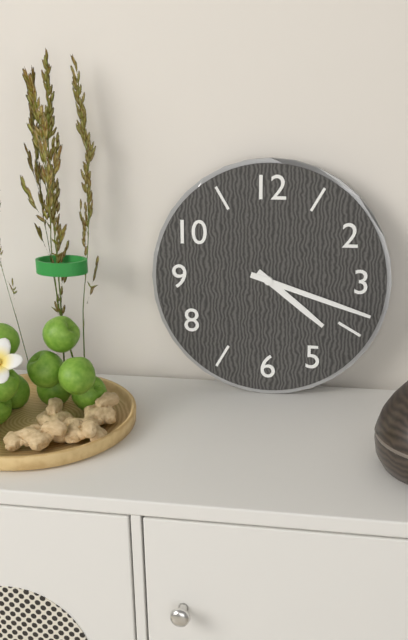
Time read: 4:18
